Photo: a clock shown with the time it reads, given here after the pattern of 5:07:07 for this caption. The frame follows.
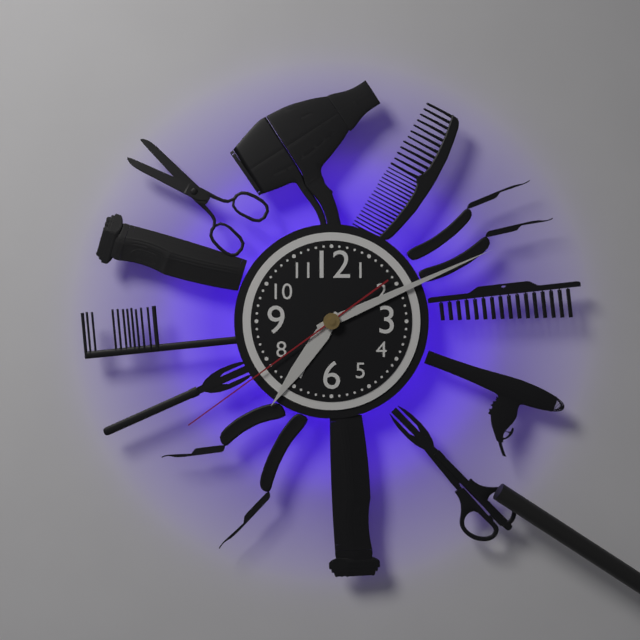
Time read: 7:11:39
